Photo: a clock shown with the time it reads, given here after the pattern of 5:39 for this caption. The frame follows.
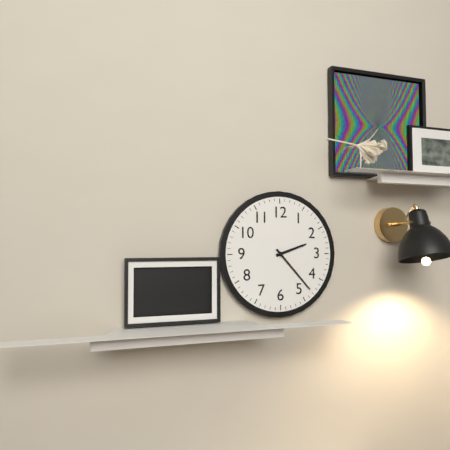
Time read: 2:23
